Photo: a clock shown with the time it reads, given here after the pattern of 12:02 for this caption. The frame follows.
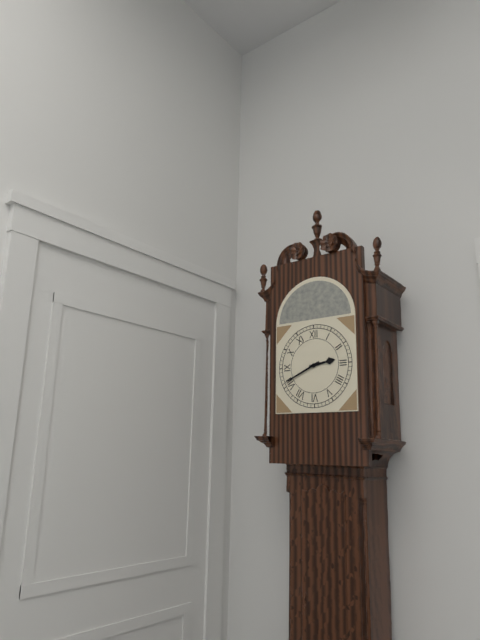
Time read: 2:41
